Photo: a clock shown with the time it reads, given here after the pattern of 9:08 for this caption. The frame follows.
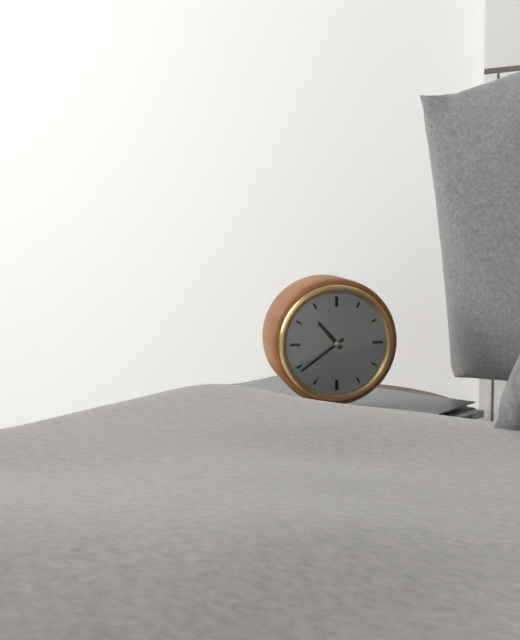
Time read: 10:39
